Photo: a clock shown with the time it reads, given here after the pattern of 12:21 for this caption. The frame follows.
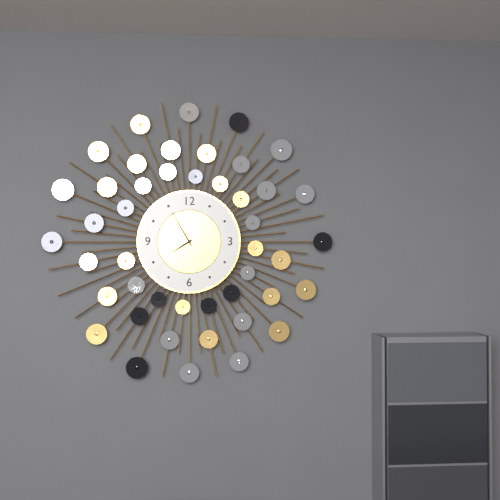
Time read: 7:55
